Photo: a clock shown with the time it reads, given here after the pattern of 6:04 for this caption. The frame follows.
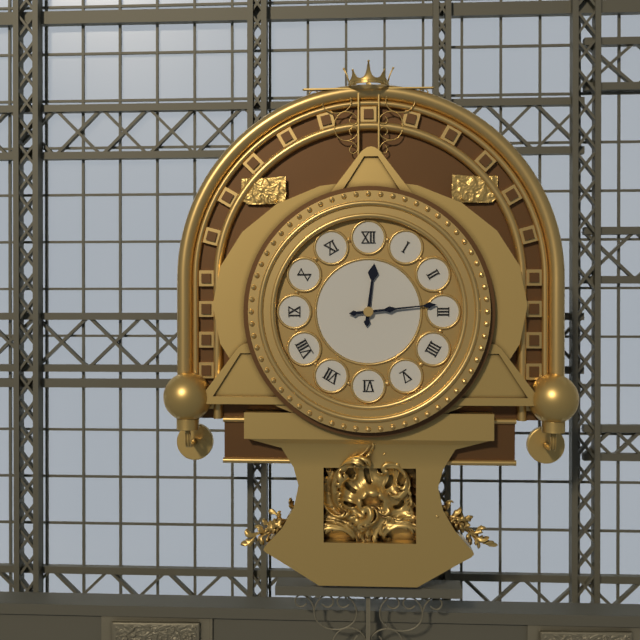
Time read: 12:14
